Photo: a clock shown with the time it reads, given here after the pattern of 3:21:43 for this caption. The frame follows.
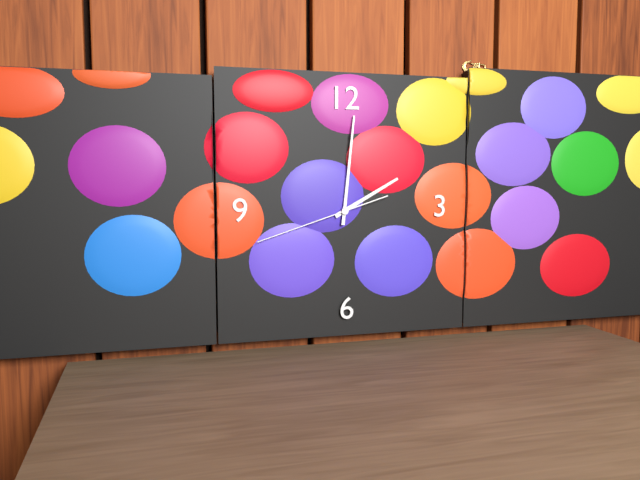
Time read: 2:01:42
